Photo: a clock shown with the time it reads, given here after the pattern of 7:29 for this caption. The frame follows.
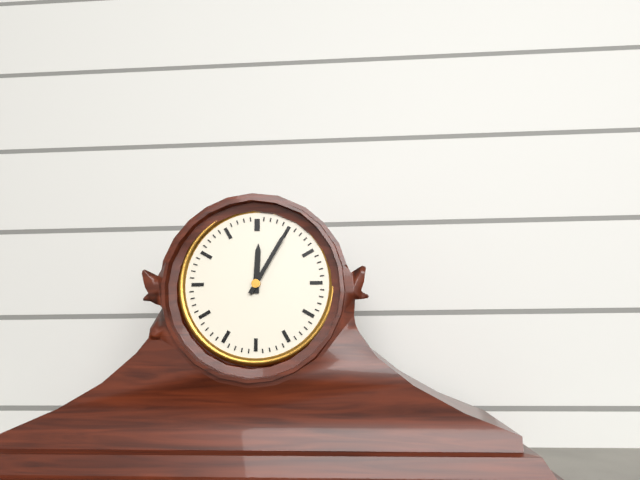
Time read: 12:05
